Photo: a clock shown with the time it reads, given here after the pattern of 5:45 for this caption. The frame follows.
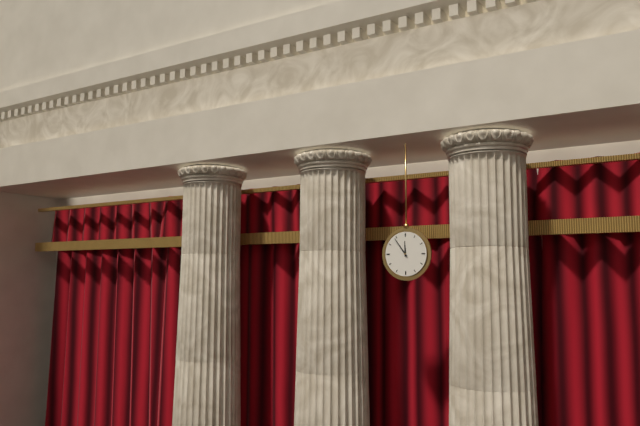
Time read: 11:54
